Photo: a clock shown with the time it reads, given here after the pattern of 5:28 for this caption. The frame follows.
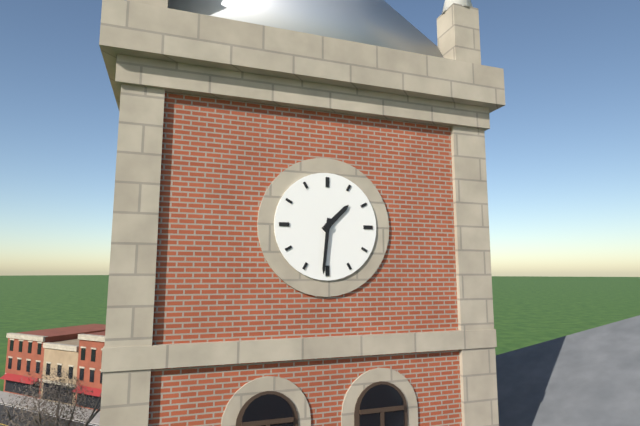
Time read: 1:31
